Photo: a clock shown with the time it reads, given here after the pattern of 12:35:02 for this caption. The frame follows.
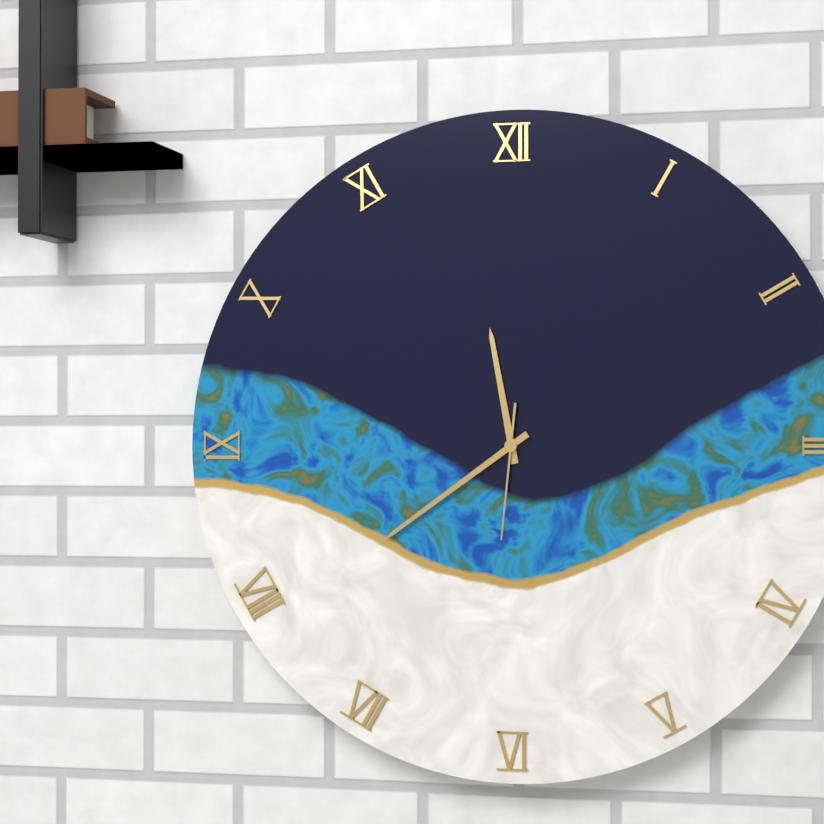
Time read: 11:39:31
